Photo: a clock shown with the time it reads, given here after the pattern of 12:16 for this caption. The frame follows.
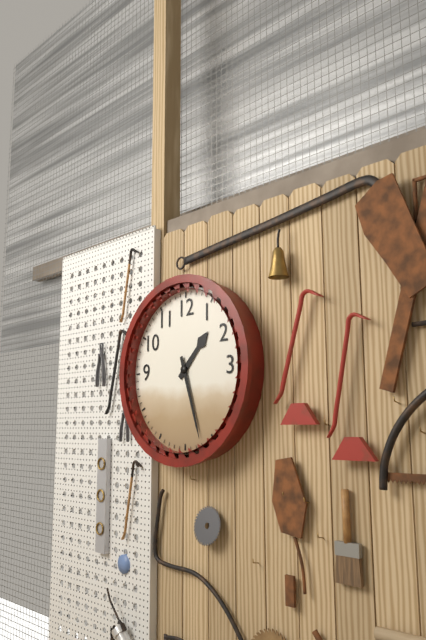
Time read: 1:27
